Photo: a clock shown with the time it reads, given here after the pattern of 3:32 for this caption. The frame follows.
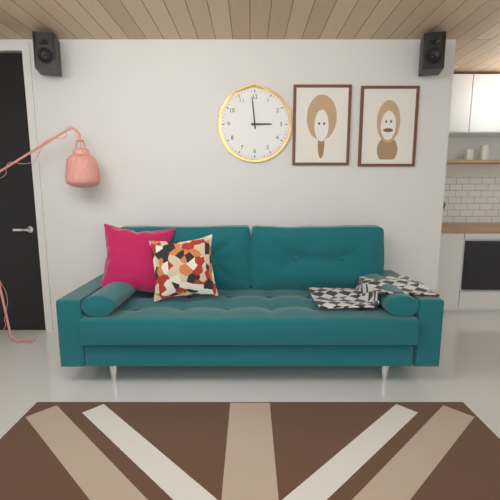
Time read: 2:59
